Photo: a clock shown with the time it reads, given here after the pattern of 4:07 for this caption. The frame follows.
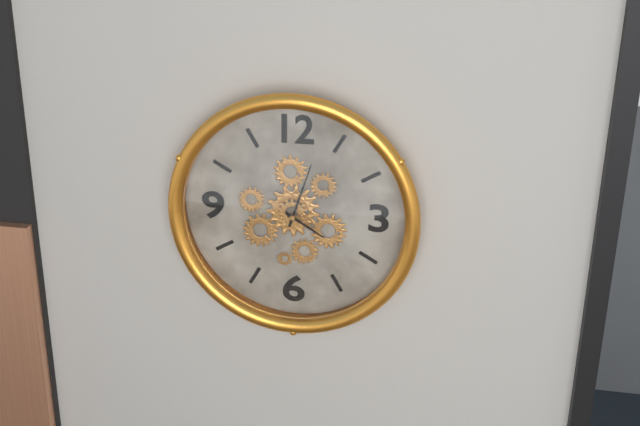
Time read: 4:03
